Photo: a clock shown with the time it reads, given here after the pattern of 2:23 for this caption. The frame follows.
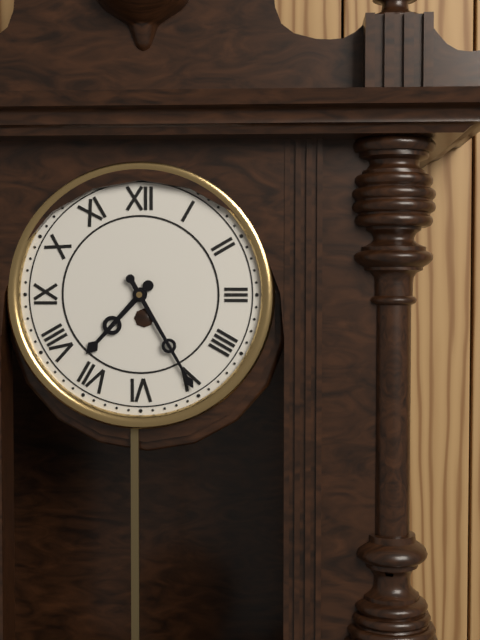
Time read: 7:25
